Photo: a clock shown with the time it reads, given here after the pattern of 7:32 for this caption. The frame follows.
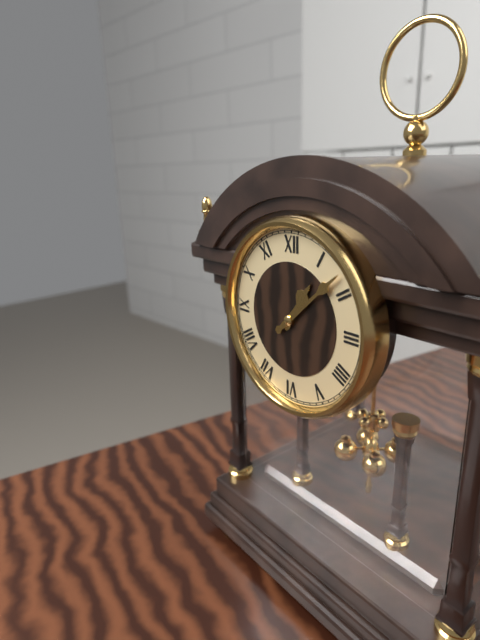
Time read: 1:08
